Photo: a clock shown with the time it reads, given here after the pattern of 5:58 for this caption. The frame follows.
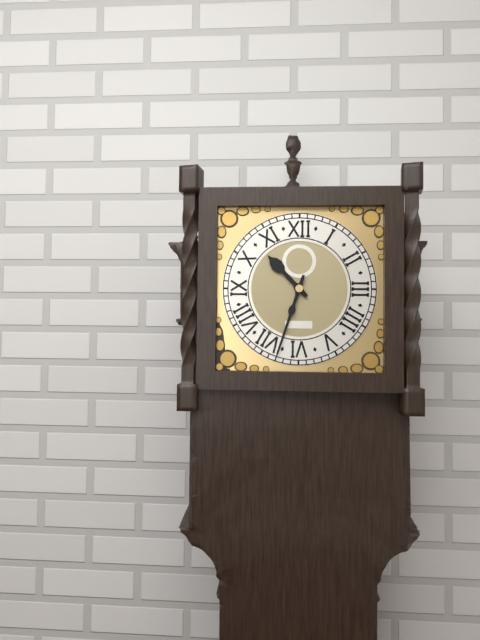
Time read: 10:33
